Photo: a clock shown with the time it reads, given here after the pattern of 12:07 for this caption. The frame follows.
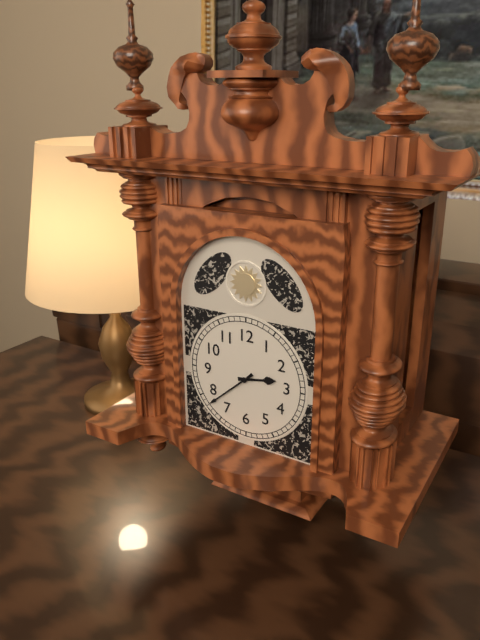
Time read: 2:38
